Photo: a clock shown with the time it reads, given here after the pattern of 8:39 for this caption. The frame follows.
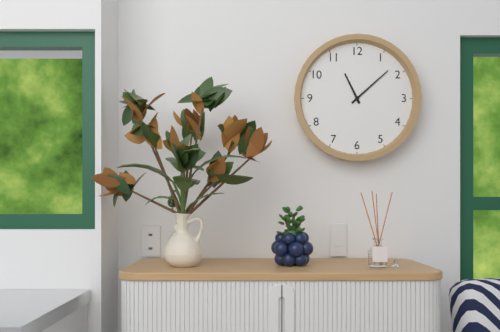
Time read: 11:08
